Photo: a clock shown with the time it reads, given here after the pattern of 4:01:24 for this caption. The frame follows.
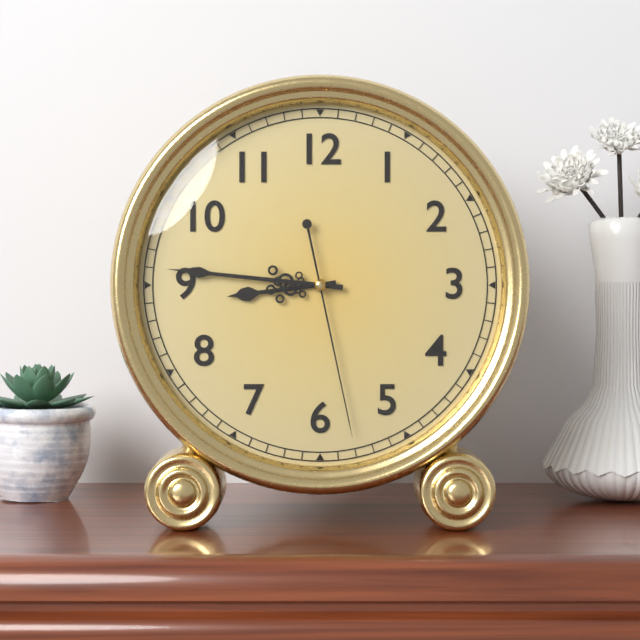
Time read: 8:46:28
